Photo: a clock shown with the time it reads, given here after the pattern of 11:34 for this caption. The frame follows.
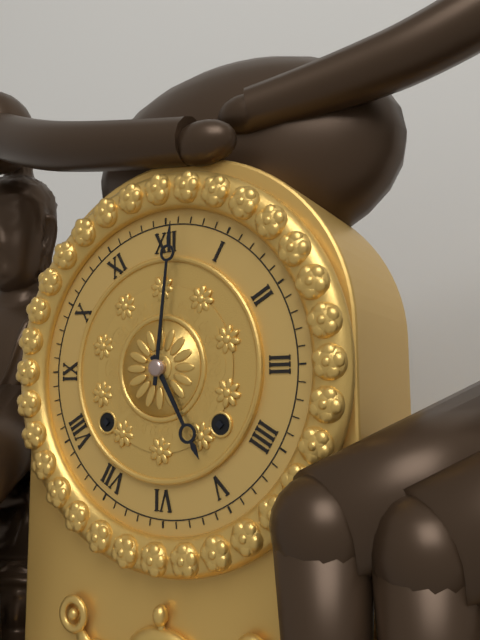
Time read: 5:01
